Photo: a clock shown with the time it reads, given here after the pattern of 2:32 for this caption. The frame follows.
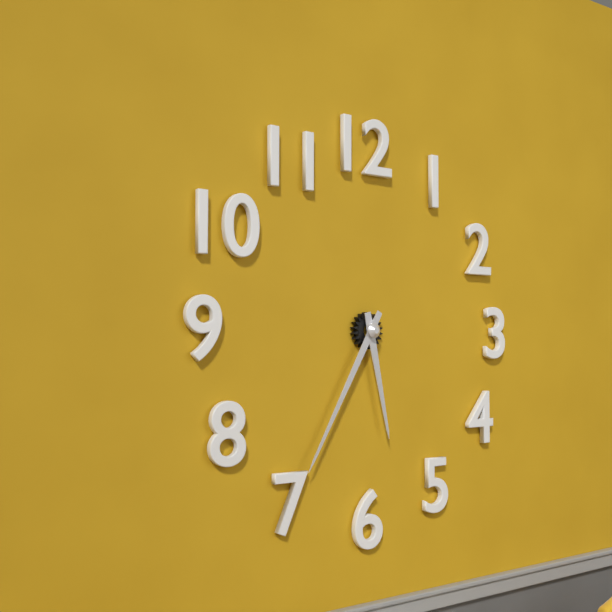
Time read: 5:35
